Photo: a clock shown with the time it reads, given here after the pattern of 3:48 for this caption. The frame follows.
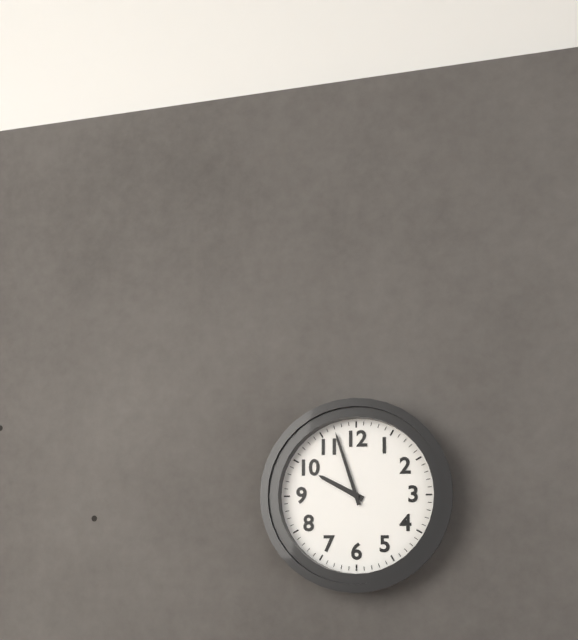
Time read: 9:57
